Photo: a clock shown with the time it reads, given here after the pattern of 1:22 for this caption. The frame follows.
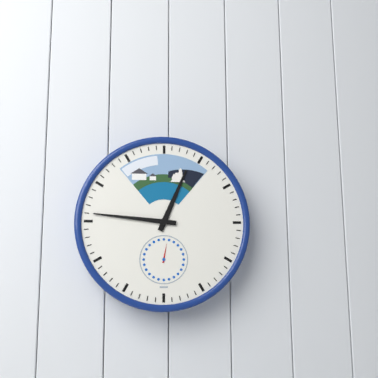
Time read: 12:46
